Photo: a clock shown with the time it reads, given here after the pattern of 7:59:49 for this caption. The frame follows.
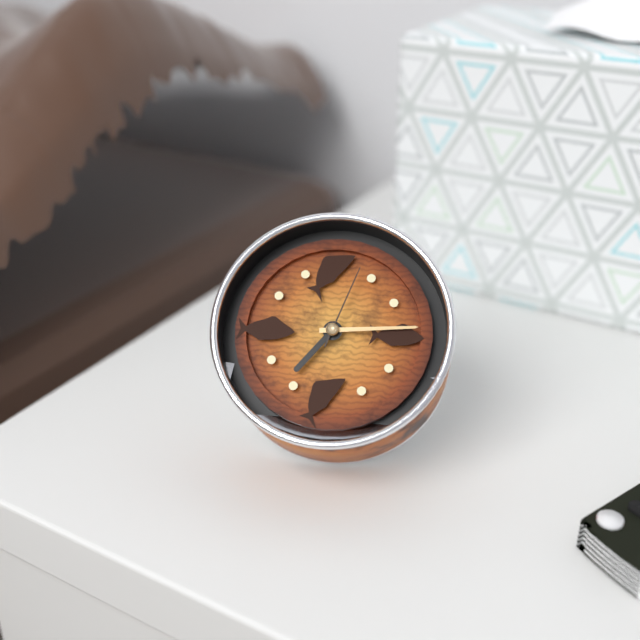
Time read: 7:14:03
